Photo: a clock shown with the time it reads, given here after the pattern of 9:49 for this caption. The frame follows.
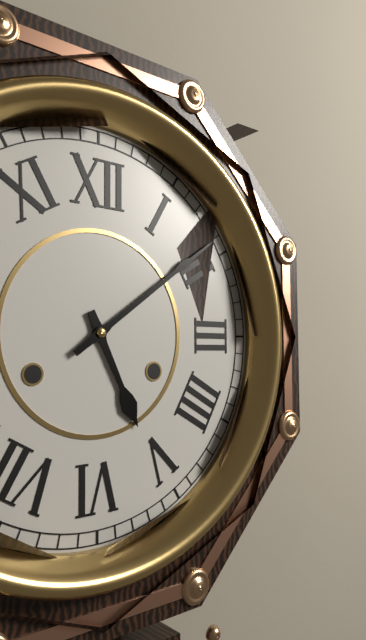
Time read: 5:09
